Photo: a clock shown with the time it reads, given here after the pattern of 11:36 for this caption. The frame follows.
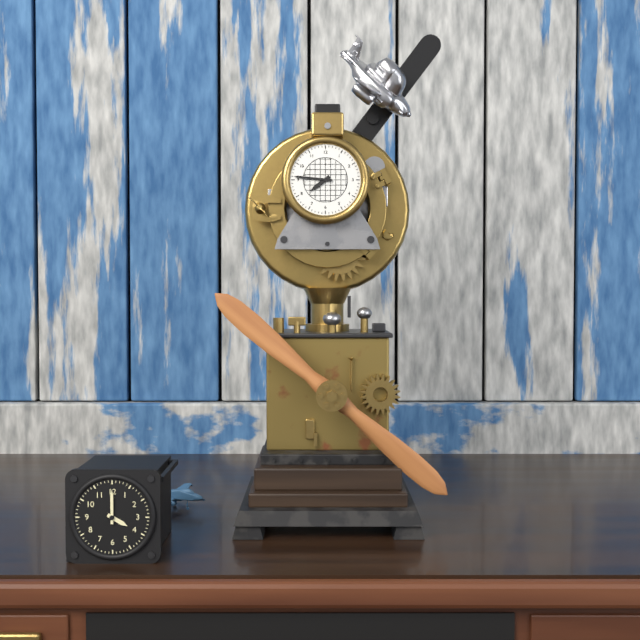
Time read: 7:46
